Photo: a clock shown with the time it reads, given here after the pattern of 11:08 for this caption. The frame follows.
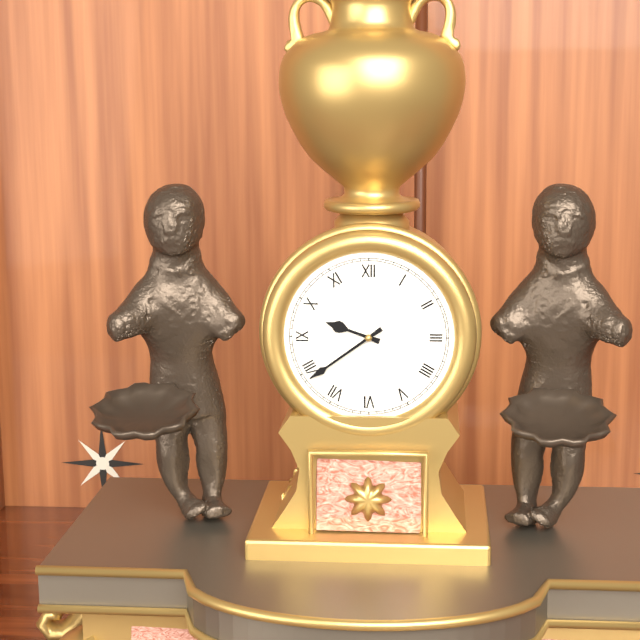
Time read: 9:39
